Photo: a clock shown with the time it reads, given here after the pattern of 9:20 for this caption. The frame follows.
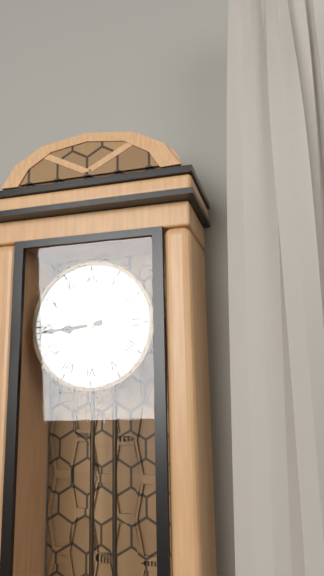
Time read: 8:44
